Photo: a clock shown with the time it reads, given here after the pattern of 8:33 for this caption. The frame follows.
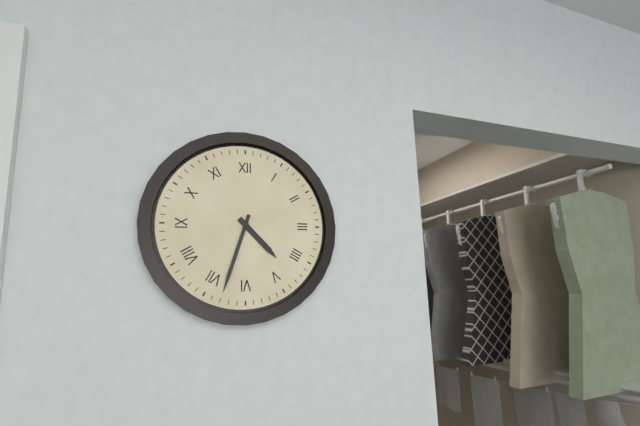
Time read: 4:33
